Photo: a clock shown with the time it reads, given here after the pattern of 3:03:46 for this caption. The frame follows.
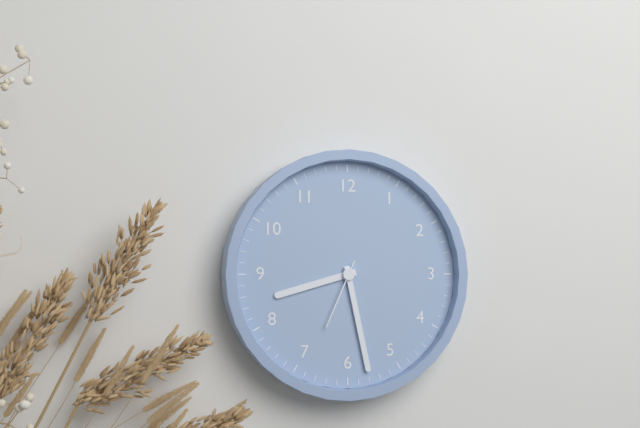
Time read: 8:28:34
